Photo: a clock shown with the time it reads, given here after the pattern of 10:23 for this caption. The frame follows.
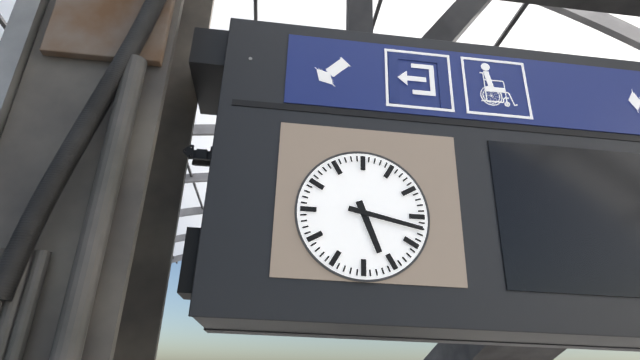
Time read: 5:17
